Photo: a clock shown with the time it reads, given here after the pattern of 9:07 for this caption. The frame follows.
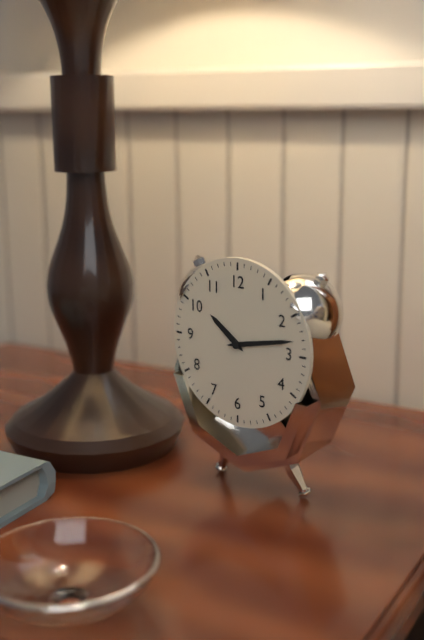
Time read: 10:13
